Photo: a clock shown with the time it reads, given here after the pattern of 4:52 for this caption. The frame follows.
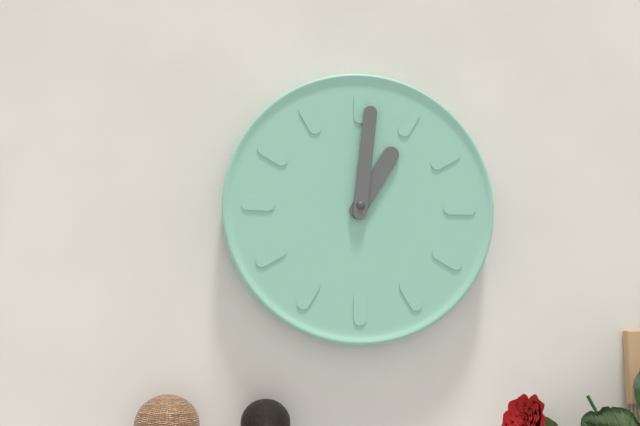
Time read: 1:01
